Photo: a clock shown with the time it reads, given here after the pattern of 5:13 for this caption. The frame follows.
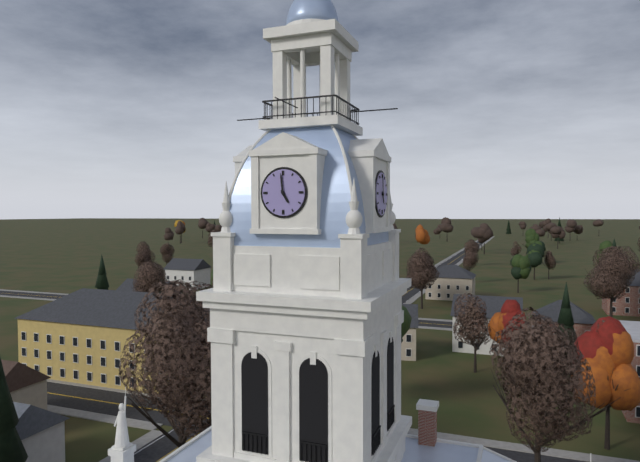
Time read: 4:59
